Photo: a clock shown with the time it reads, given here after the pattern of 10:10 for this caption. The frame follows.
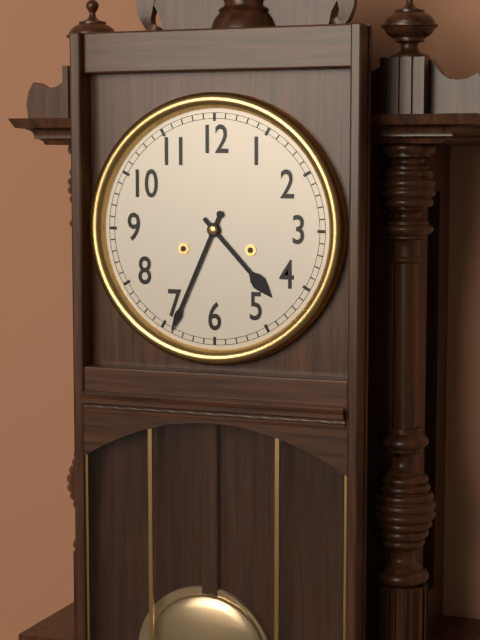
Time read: 4:34
